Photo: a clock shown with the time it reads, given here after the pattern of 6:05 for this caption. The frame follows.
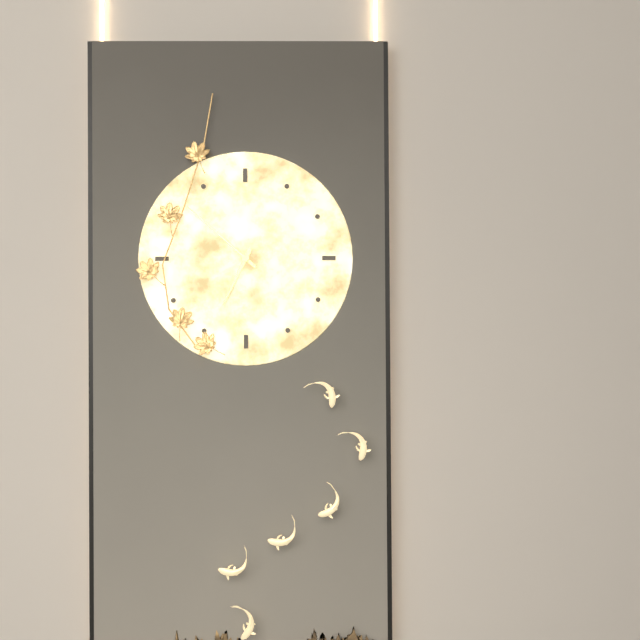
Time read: 6:52
